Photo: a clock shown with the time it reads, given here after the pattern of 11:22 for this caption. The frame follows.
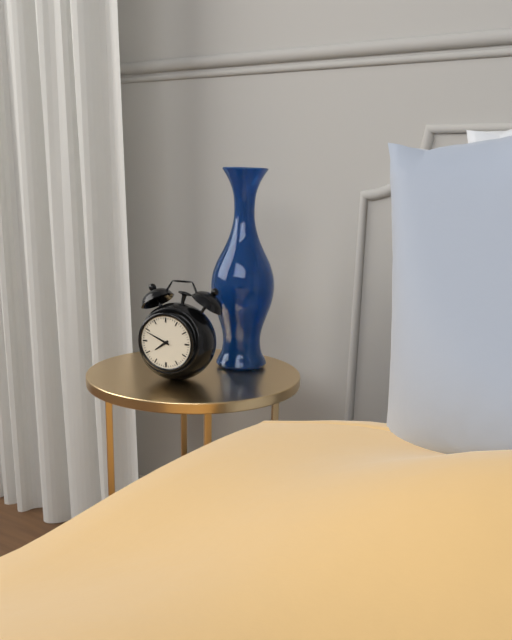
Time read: 7:49
